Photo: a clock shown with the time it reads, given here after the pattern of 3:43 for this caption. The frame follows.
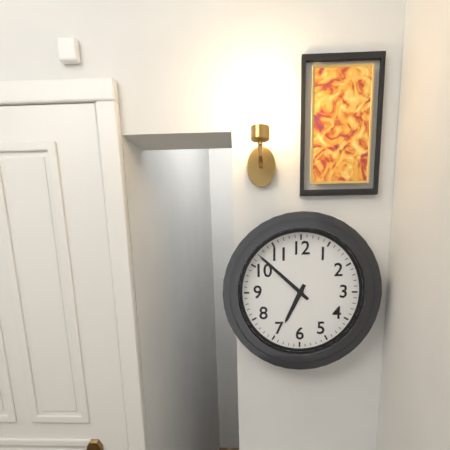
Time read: 6:52
